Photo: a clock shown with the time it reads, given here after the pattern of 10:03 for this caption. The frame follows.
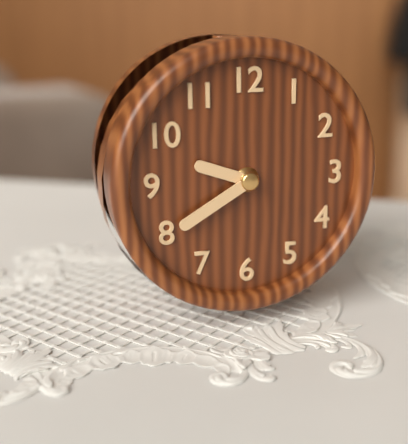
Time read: 9:40
